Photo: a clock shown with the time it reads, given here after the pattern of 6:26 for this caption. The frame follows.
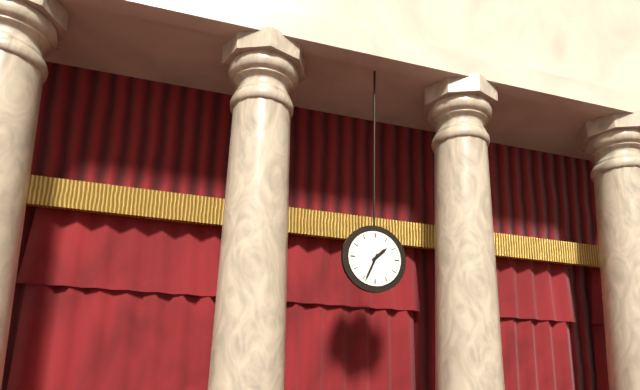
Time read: 1:34
